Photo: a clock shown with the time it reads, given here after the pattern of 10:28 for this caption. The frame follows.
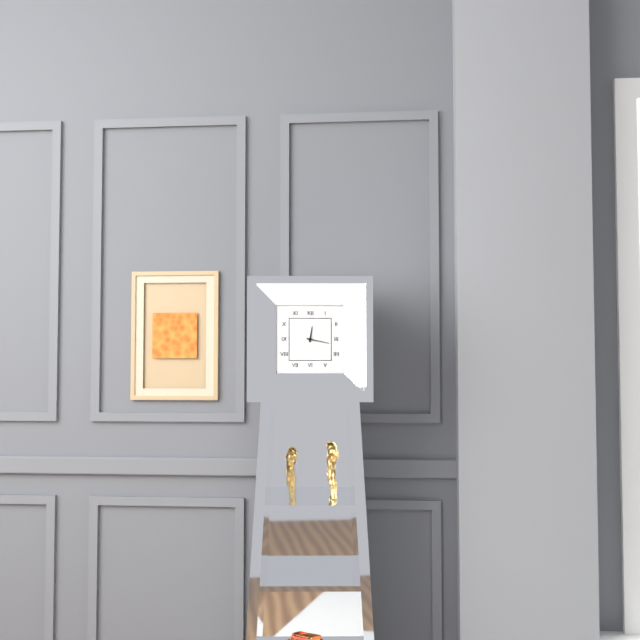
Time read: 12:17
